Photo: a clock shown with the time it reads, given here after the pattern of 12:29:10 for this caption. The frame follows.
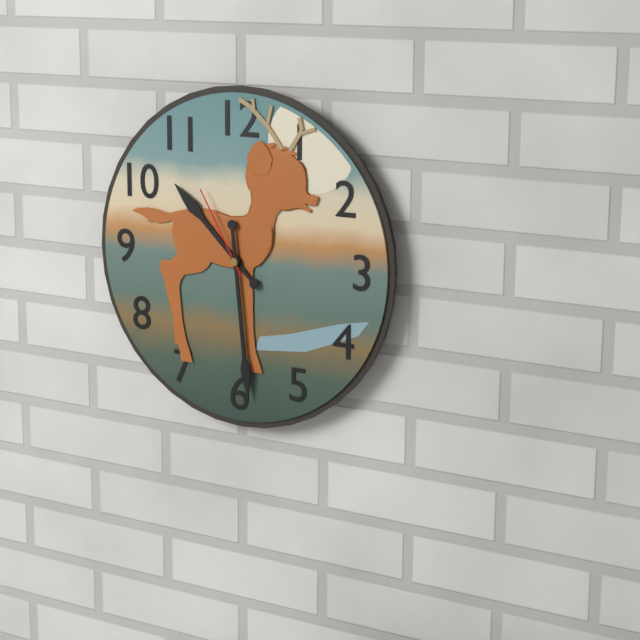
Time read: 10:29:55
